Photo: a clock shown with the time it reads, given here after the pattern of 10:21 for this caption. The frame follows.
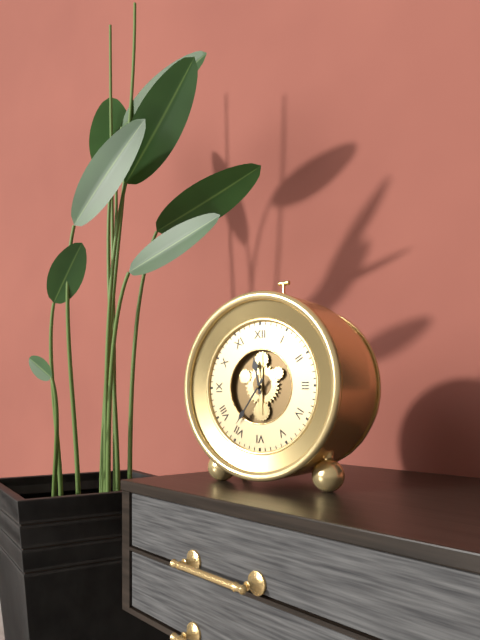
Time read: 11:36
